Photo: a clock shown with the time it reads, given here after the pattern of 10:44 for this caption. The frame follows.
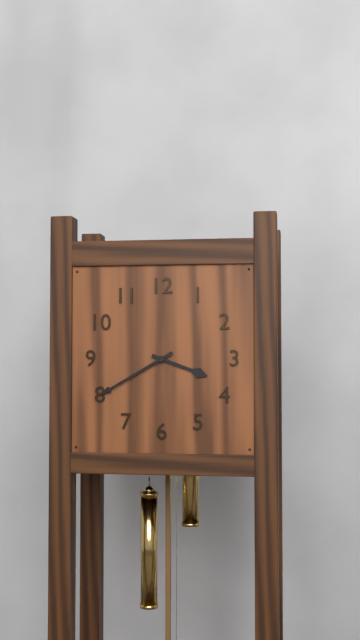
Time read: 3:40
